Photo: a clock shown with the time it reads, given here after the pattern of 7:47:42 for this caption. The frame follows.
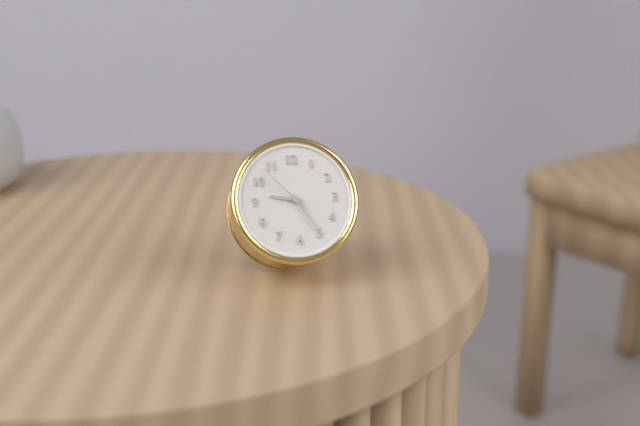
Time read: 9:25:53
